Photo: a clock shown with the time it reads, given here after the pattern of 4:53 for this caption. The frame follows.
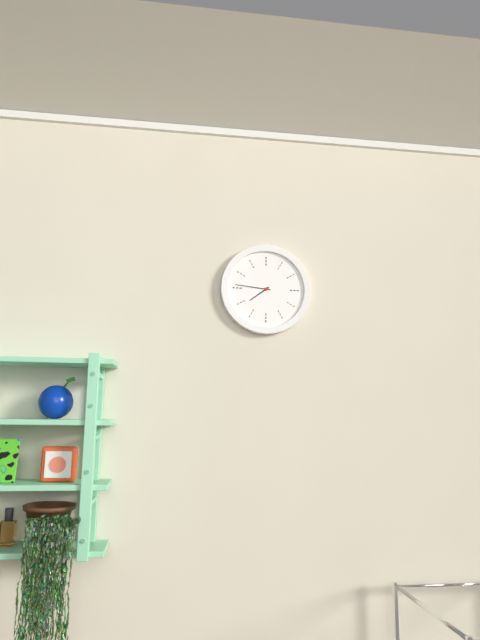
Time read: 7:46
